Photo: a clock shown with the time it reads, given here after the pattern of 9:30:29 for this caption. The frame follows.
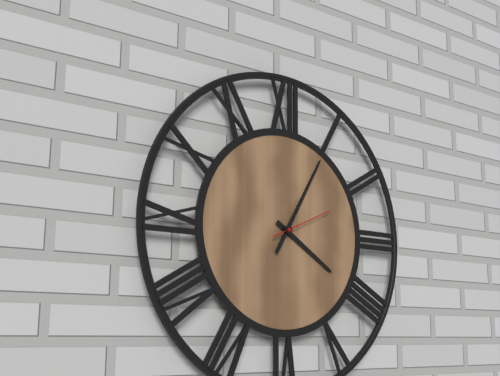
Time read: 4:05:11
